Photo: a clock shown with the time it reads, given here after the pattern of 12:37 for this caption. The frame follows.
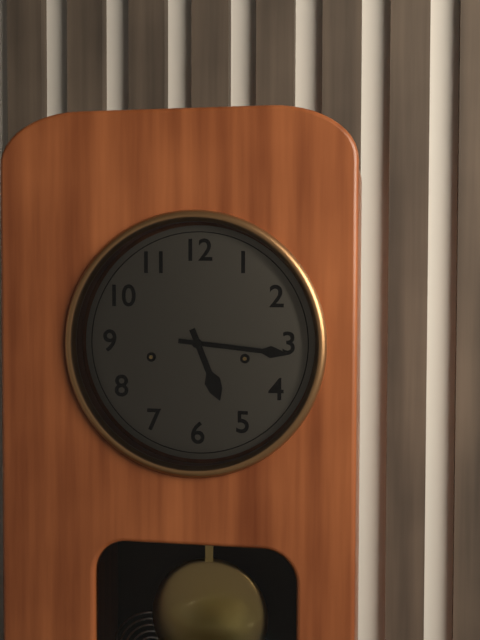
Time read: 5:16
